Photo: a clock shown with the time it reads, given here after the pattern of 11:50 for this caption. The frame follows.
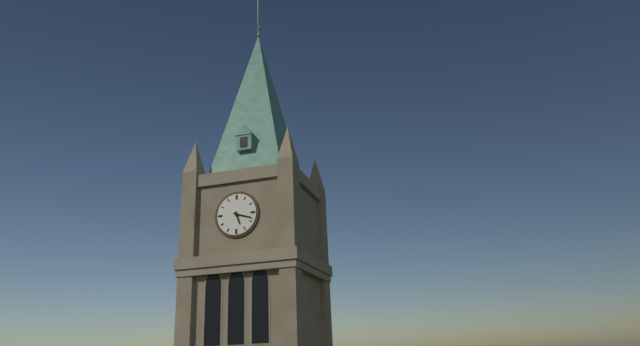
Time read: 5:18
